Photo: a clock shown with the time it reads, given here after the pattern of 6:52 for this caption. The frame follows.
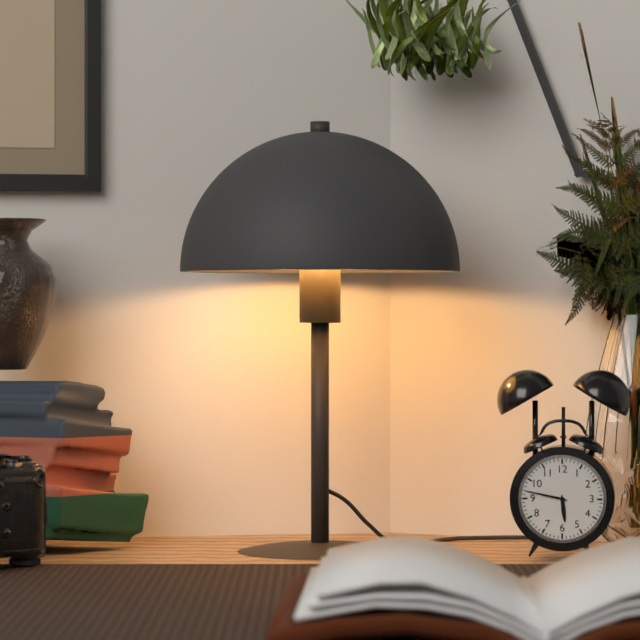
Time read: 5:47
